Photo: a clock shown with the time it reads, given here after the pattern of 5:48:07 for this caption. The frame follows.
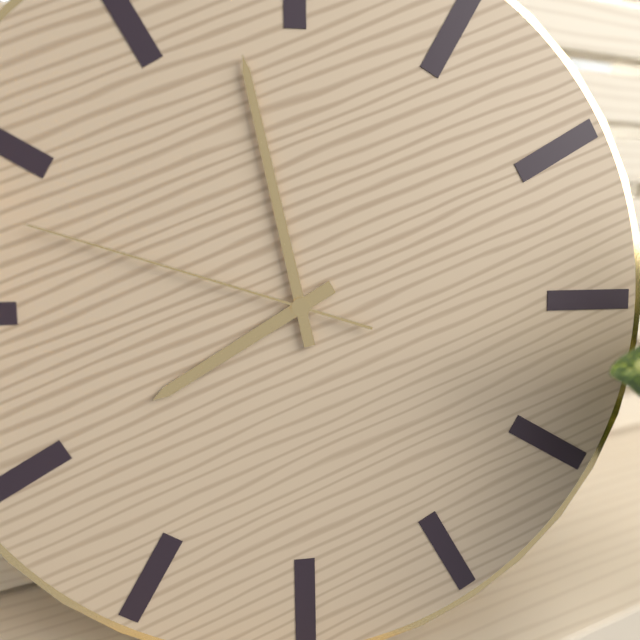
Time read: 7:58:48
